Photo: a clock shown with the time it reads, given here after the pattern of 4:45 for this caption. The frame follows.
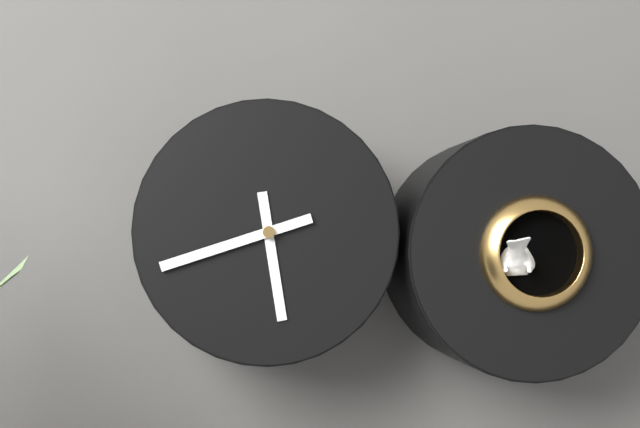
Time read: 5:42
